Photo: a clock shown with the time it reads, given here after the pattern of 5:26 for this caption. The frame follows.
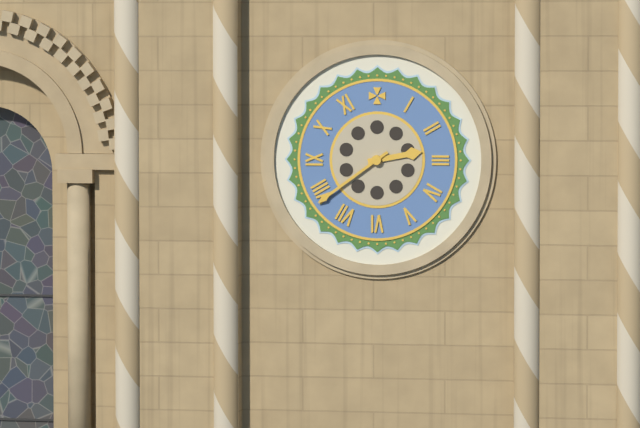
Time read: 2:39
